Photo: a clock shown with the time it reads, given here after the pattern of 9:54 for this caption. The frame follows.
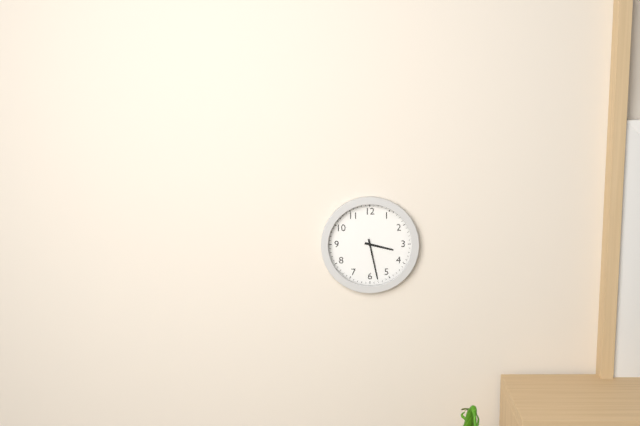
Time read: 3:28
